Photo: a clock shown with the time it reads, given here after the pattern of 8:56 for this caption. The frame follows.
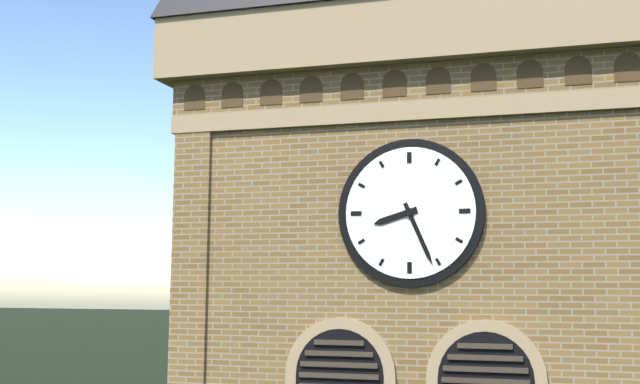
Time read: 8:26
